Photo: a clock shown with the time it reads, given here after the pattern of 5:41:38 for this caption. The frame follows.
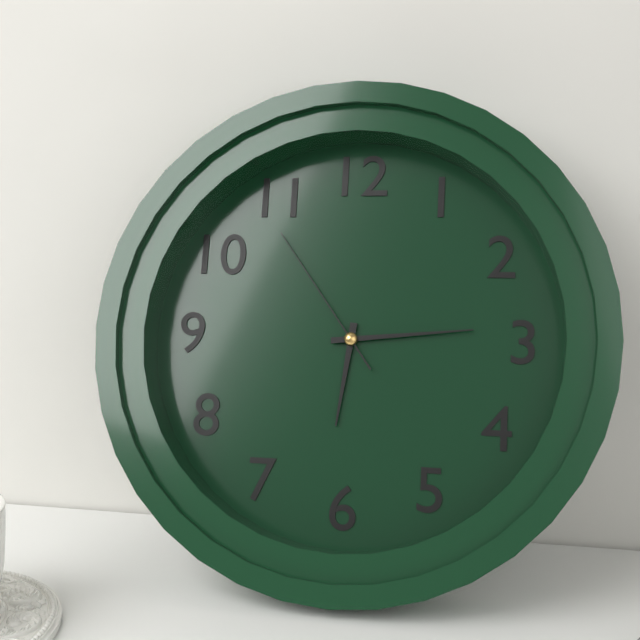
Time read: 6:14:54
